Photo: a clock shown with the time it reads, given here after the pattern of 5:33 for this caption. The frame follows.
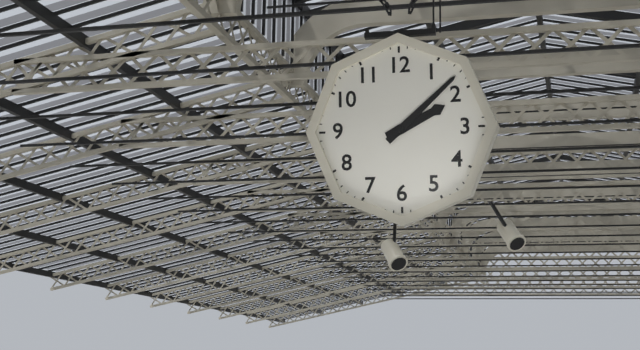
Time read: 2:08
